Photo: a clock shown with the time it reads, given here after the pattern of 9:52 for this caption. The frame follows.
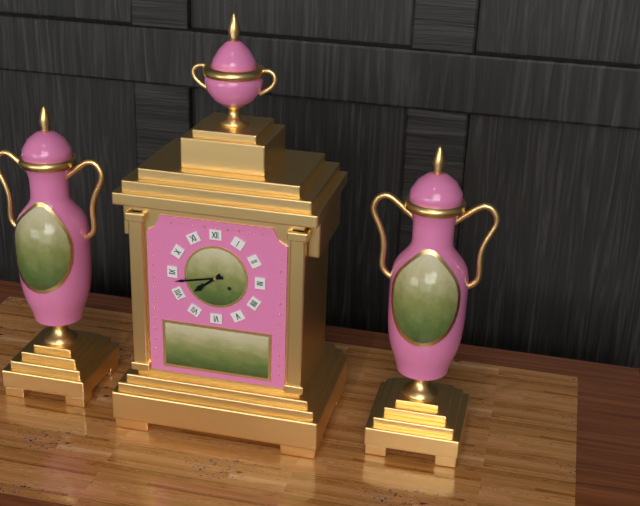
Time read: 7:43
